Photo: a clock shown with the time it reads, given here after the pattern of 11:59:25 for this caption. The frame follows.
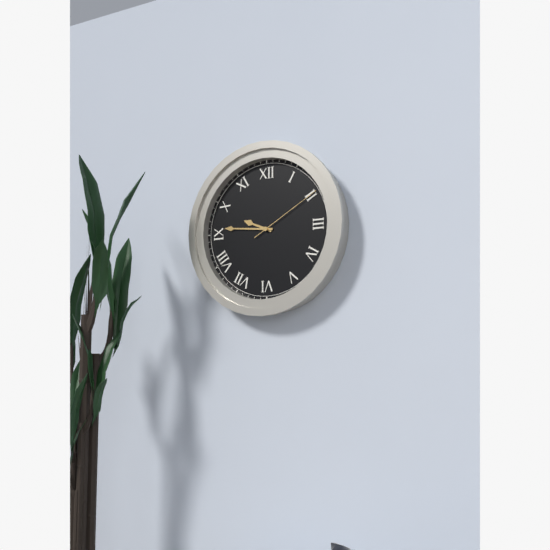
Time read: 9:46:10
